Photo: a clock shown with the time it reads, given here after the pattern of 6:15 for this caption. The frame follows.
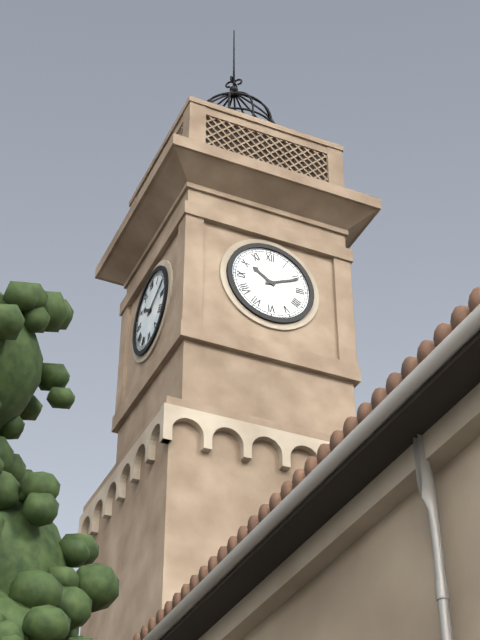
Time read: 10:11
